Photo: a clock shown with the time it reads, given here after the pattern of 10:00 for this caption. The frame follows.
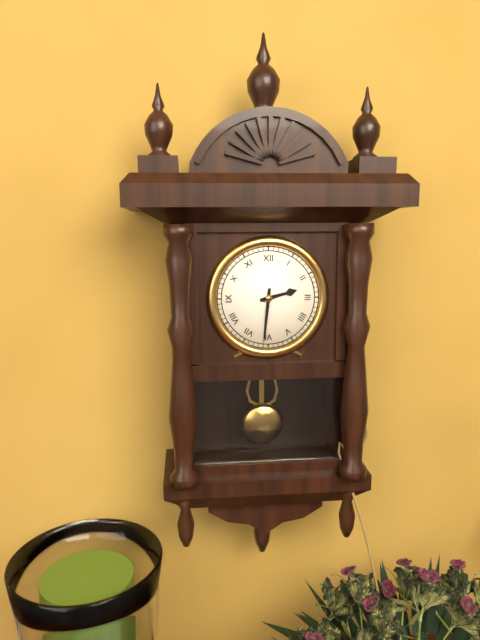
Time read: 2:31
